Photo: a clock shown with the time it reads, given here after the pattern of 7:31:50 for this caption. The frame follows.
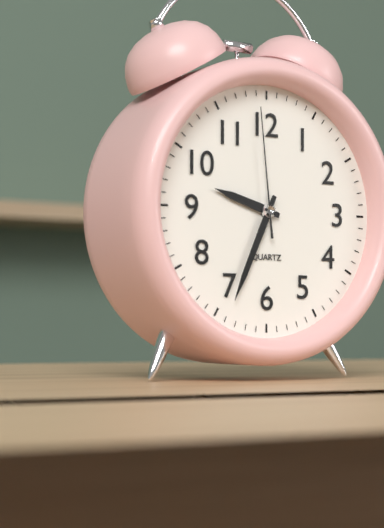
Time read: 9:34:59
